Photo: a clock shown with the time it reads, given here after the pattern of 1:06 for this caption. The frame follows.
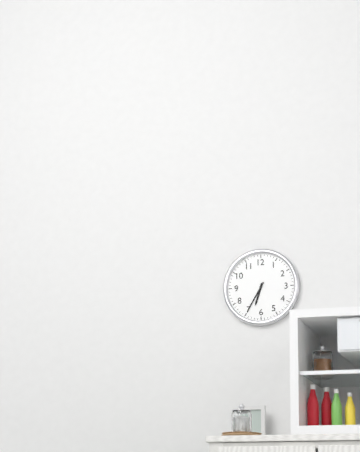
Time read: 6:35
